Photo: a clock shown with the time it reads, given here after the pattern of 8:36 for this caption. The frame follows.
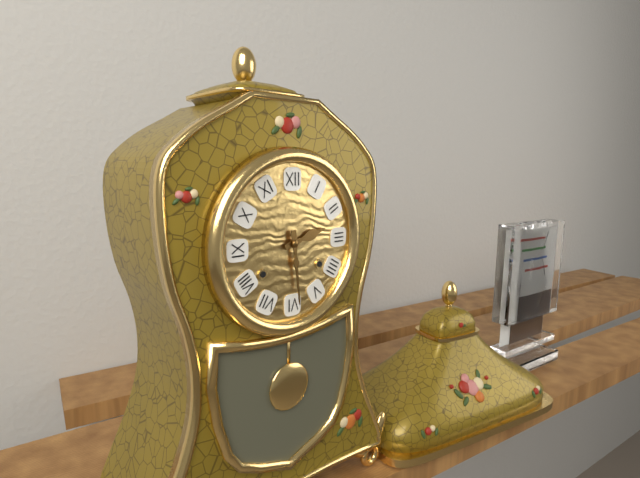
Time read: 2:29
